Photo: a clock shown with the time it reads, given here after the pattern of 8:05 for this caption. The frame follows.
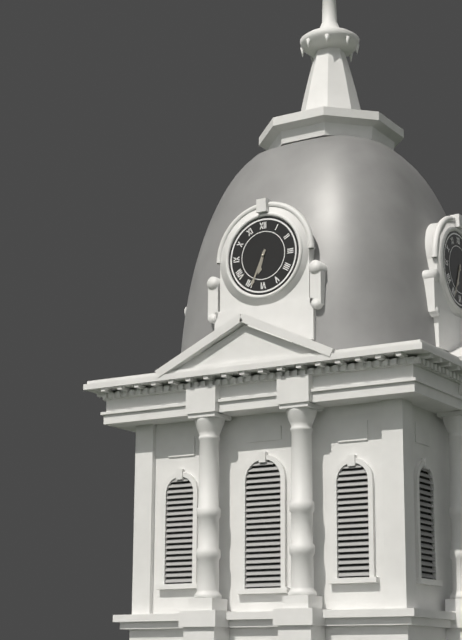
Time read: 6:34
